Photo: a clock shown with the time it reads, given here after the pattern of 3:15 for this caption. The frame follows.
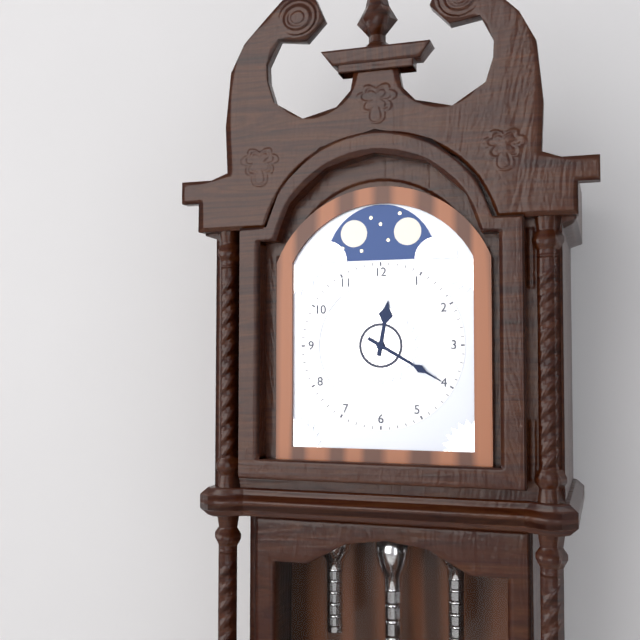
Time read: 12:20
